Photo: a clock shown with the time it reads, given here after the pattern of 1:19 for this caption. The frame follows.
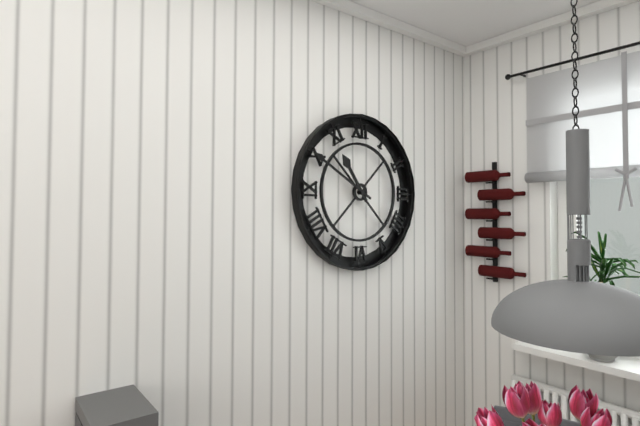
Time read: 10:50
